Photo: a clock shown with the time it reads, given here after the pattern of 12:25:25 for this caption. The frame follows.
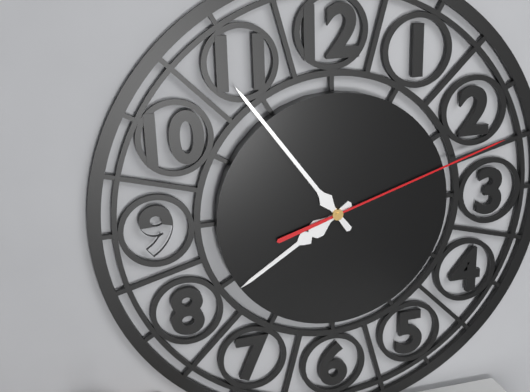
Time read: 7:54:12
